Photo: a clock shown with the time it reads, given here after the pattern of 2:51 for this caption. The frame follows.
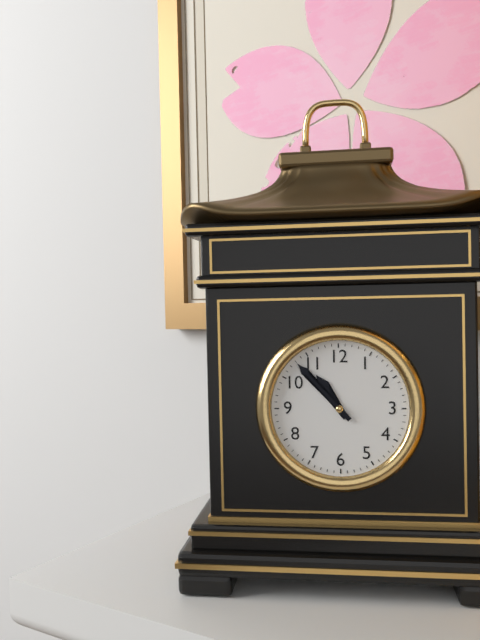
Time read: 10:53
